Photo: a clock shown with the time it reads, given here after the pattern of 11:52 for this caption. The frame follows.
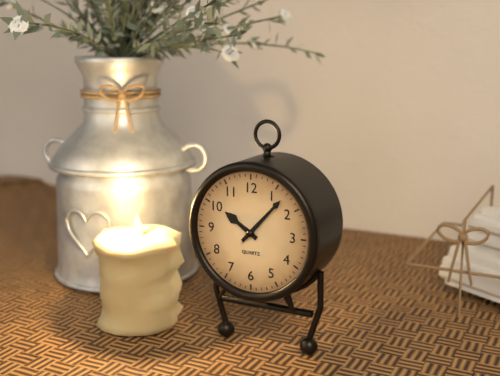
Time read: 10:07
